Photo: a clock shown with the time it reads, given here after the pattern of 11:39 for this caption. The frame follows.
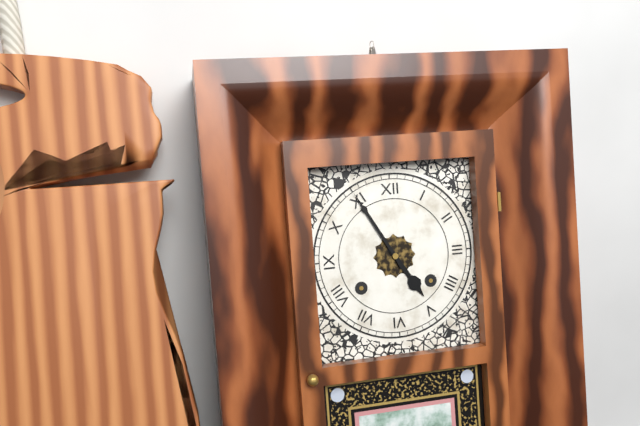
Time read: 4:55
